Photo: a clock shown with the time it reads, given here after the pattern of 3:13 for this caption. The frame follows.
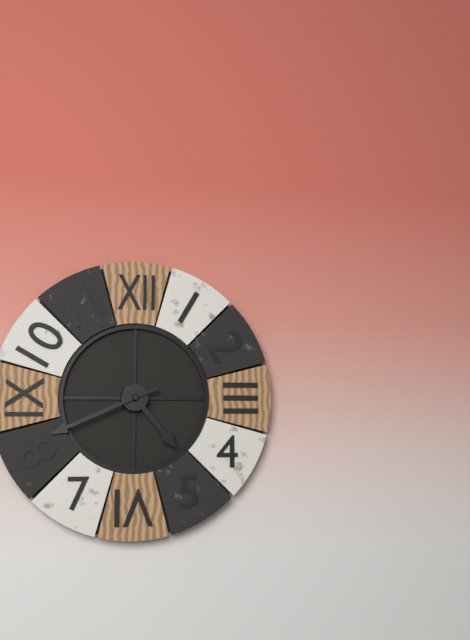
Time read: 4:41
